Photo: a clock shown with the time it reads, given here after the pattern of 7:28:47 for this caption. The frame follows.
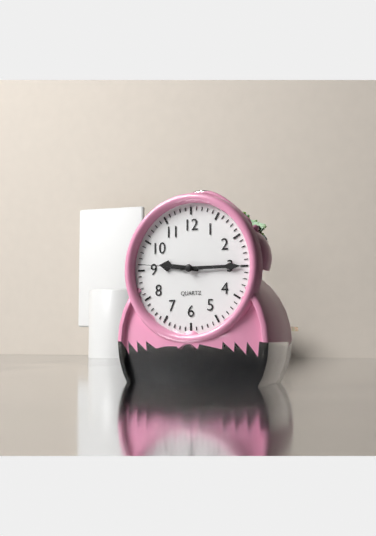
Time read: 9:15:46
